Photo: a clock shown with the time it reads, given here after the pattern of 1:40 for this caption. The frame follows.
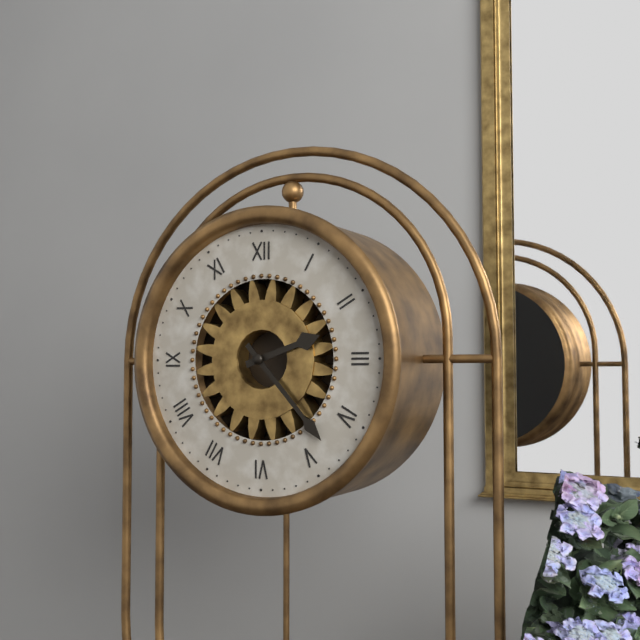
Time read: 2:23
